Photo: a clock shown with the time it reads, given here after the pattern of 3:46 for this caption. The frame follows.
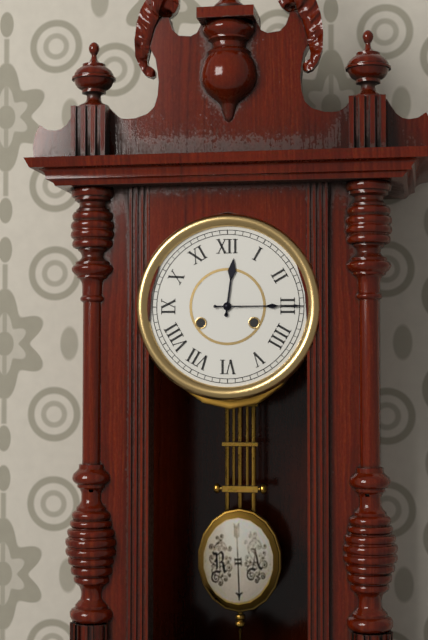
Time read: 12:15
